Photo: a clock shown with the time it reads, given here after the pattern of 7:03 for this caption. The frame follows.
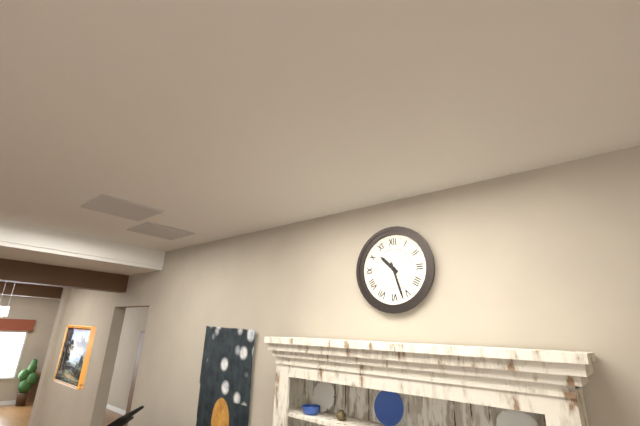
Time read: 10:27
